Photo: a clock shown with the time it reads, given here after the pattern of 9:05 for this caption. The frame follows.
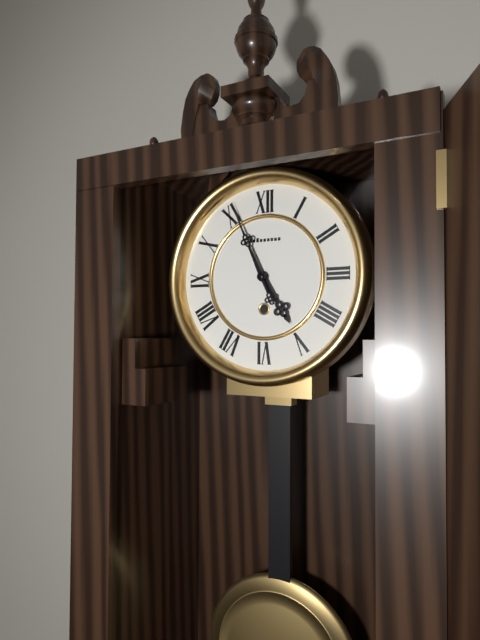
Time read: 4:56
